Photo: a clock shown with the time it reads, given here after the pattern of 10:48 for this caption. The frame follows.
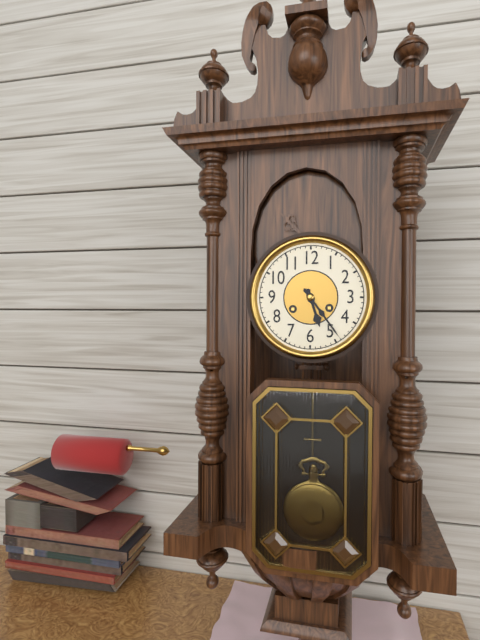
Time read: 5:24
